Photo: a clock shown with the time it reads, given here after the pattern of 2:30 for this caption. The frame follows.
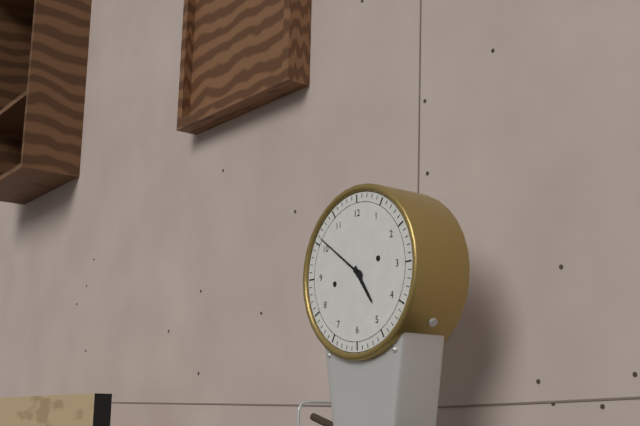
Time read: 4:51
